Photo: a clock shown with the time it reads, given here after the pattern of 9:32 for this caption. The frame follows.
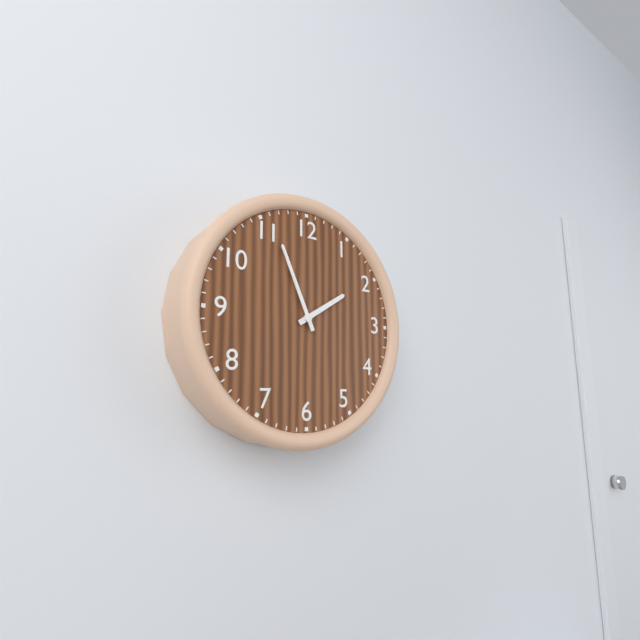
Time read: 1:56
